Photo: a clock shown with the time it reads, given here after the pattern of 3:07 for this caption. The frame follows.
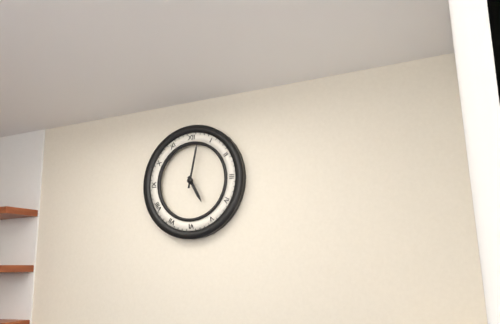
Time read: 5:02
